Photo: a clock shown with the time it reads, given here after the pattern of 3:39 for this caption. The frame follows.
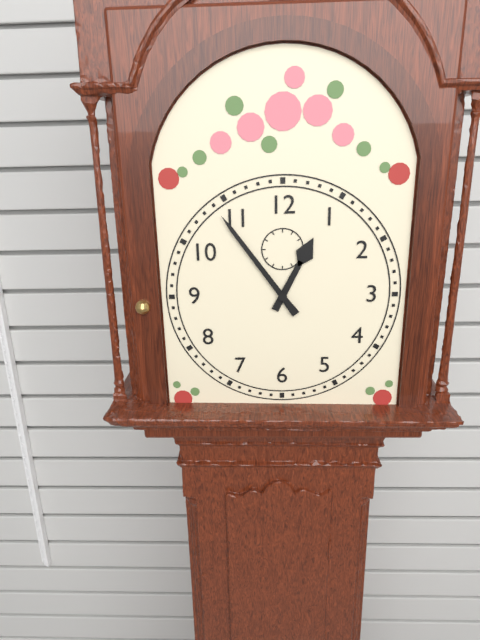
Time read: 12:54
